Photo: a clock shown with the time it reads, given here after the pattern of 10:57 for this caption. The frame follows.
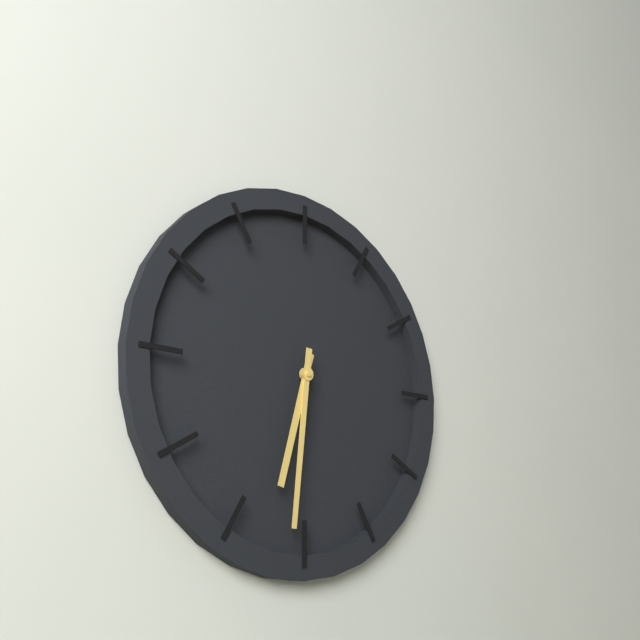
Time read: 6:31
